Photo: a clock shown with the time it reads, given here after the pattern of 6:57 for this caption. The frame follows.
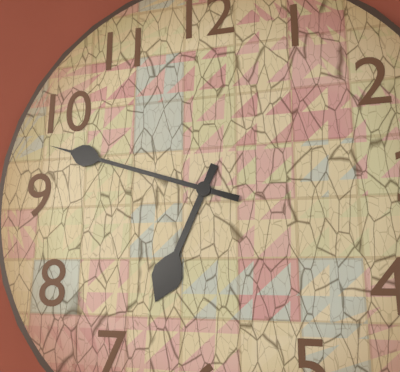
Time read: 6:48
